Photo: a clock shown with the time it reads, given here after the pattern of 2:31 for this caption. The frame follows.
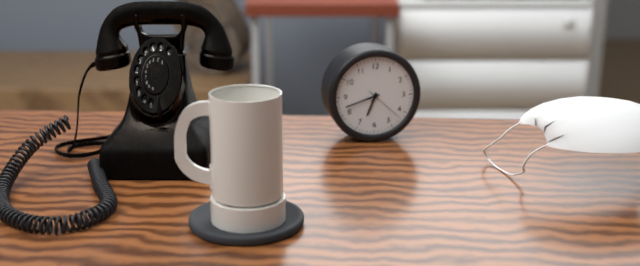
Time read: 6:42
